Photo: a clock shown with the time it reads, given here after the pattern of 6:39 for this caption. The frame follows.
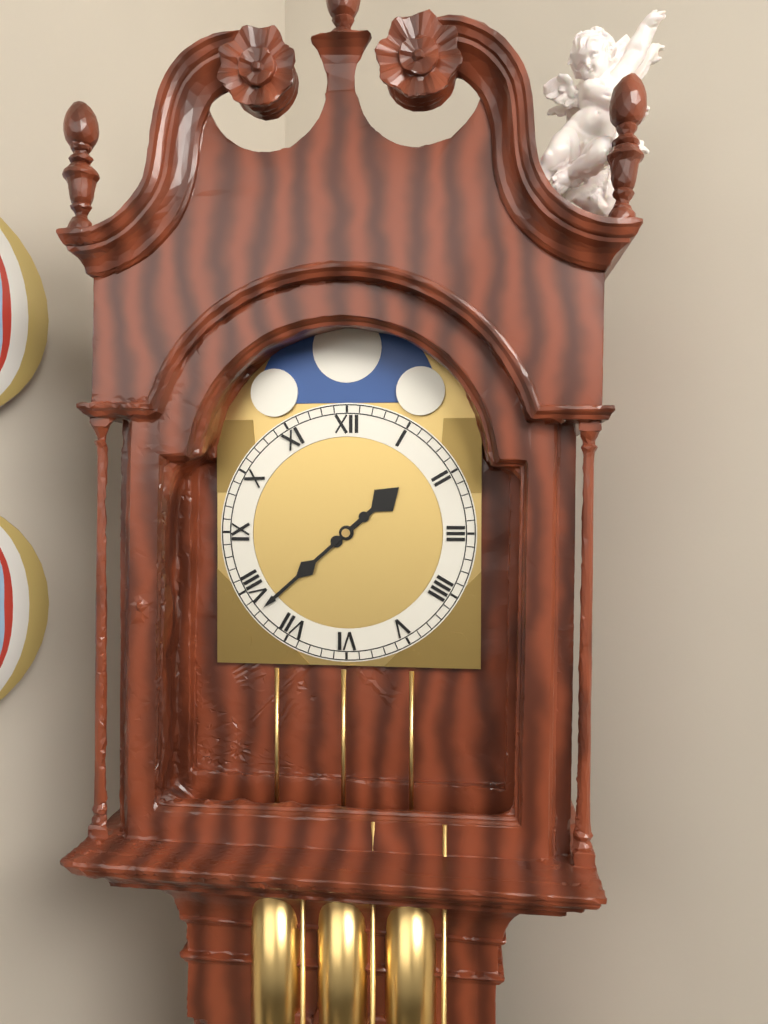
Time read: 1:38
